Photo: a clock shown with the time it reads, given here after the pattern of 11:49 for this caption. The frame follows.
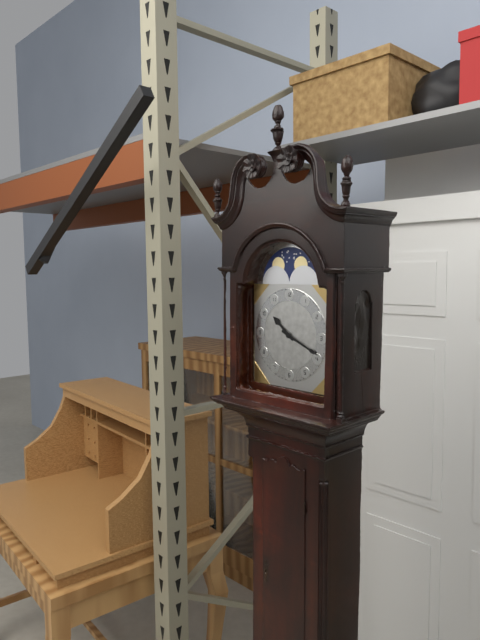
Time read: 10:19
